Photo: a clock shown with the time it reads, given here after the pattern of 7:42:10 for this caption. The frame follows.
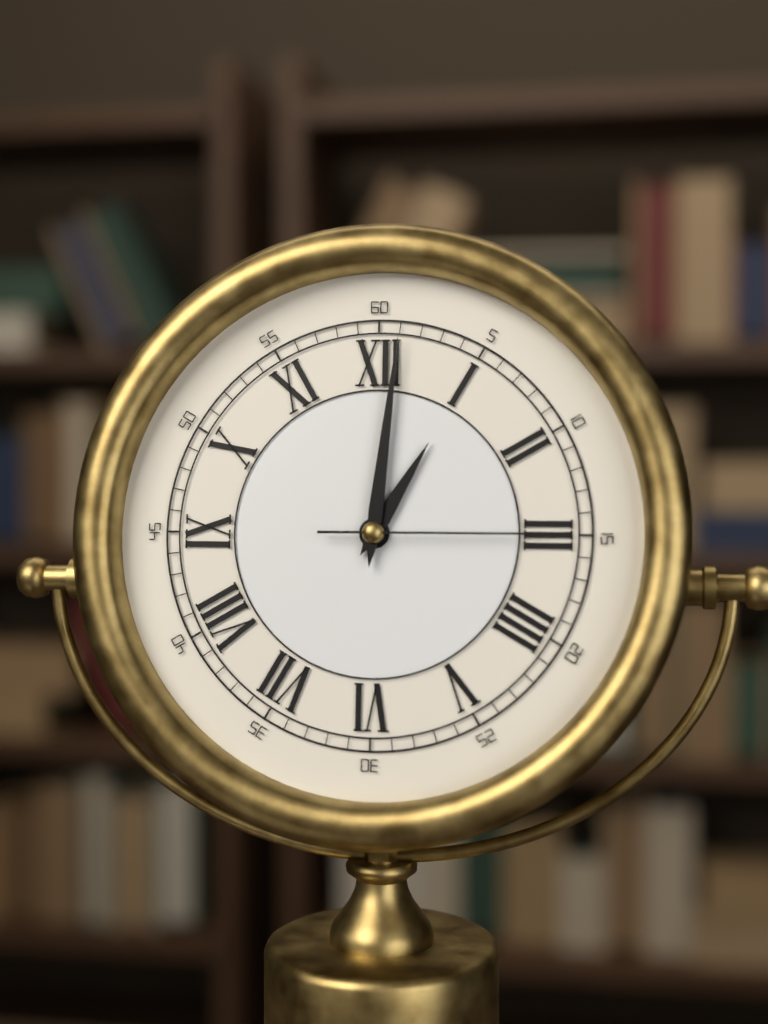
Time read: 1:01:15
